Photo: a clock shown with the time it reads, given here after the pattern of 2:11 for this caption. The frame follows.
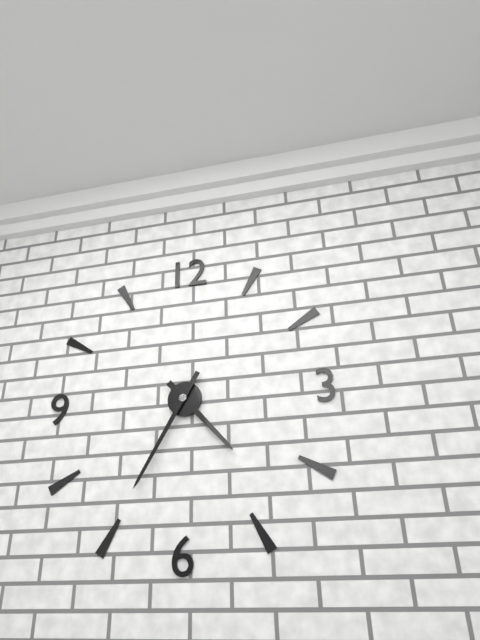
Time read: 4:35
